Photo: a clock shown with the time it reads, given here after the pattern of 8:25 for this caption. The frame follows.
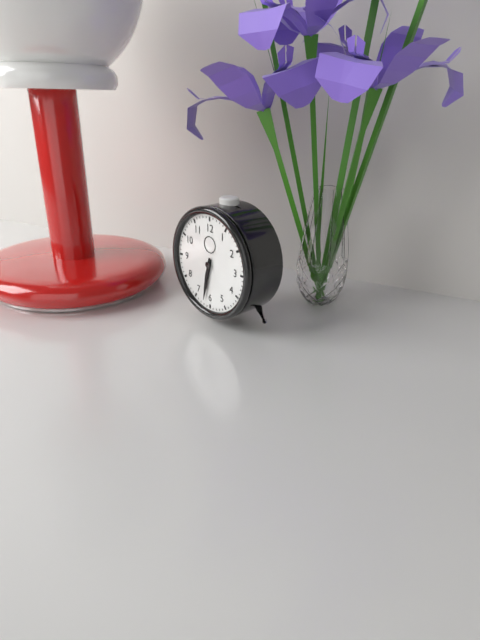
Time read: 6:32
